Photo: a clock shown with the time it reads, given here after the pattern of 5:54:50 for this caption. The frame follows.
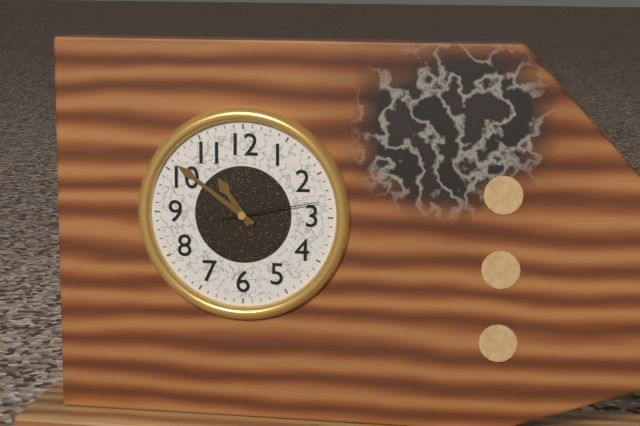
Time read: 10:51:13
